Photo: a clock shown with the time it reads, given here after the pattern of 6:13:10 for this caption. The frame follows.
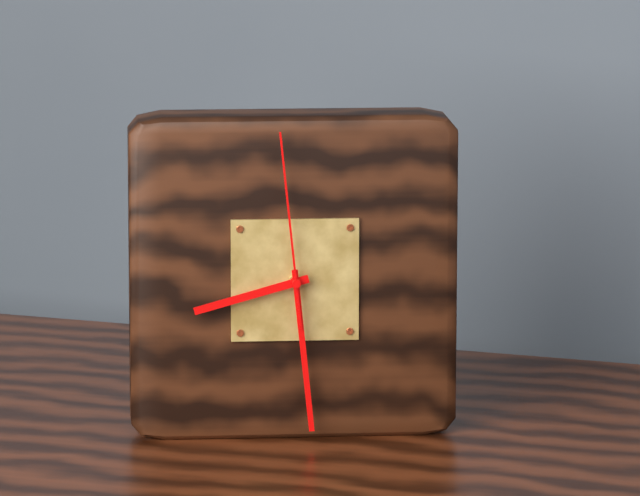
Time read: 8:29:59
